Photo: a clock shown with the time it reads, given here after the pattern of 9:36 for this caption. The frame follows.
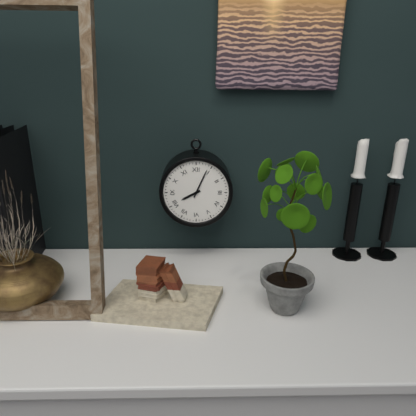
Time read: 8:04
